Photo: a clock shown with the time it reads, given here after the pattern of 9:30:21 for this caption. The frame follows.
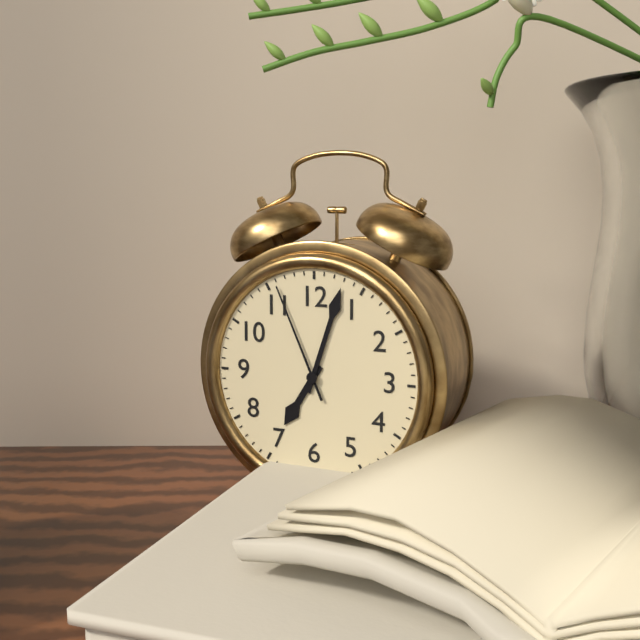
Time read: 7:03:56
